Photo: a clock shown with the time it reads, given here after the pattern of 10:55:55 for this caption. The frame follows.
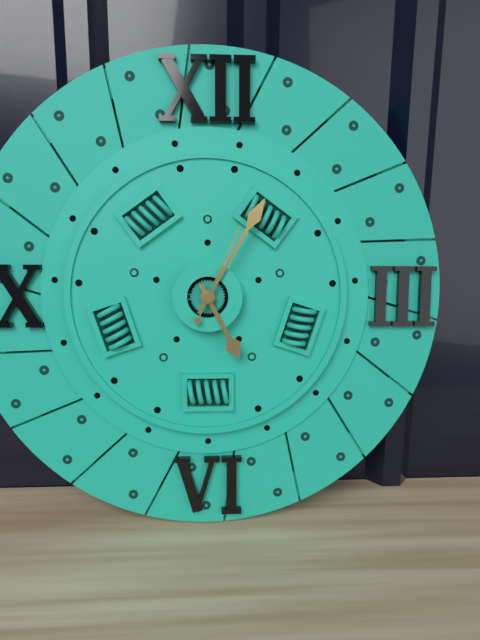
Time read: 5:05:04
